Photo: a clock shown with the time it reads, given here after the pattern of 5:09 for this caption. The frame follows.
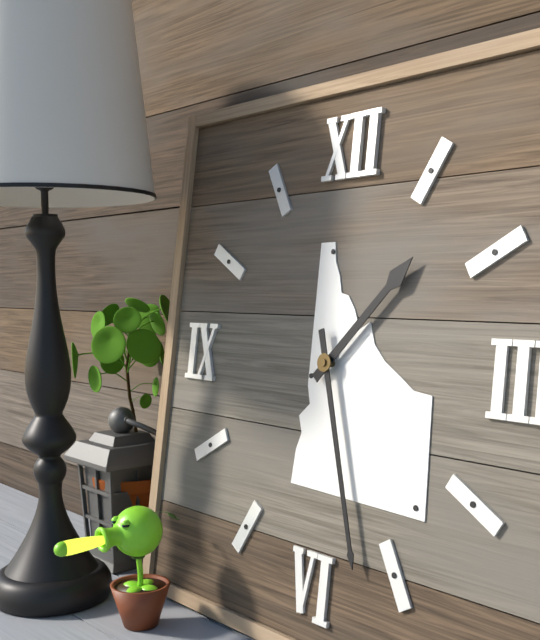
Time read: 1:27
